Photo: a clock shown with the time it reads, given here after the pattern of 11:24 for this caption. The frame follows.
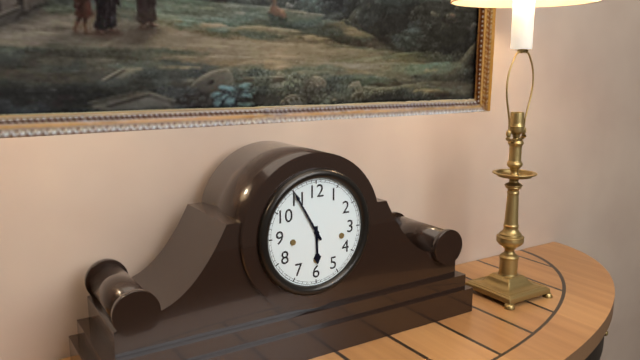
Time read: 5:55
